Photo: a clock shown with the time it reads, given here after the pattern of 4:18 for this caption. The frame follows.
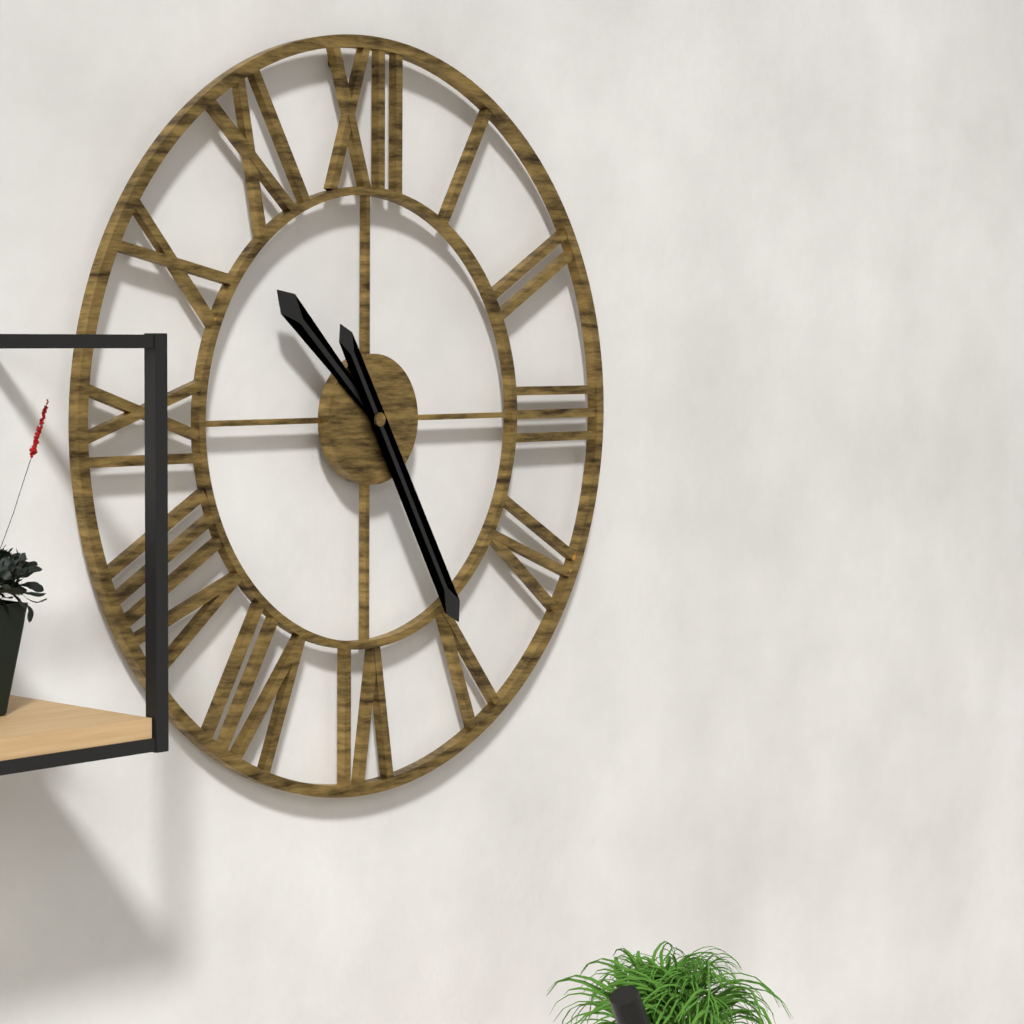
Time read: 10:25
